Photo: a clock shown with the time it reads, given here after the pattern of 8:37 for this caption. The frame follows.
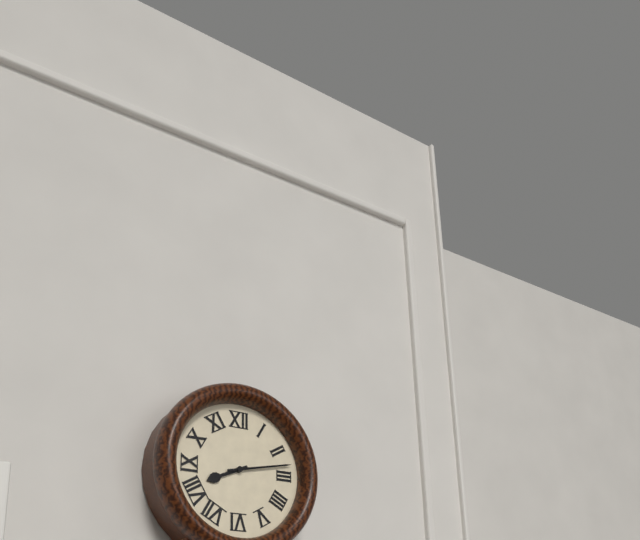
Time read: 8:13
